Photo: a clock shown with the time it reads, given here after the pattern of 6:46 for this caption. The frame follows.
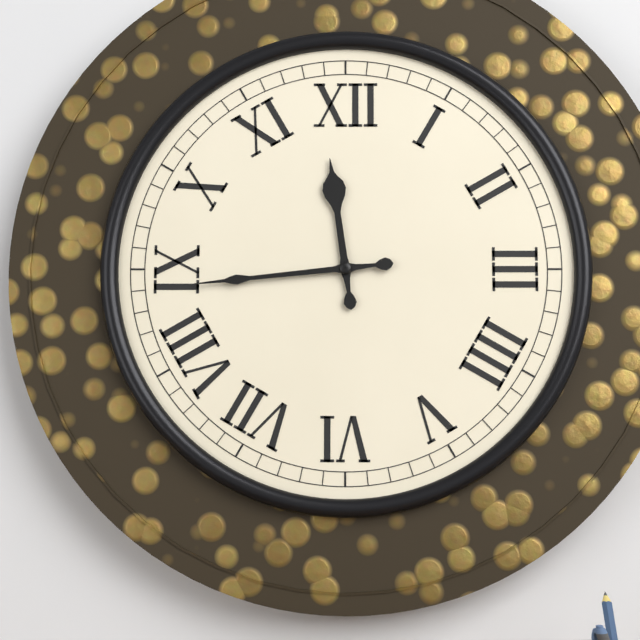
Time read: 11:44
